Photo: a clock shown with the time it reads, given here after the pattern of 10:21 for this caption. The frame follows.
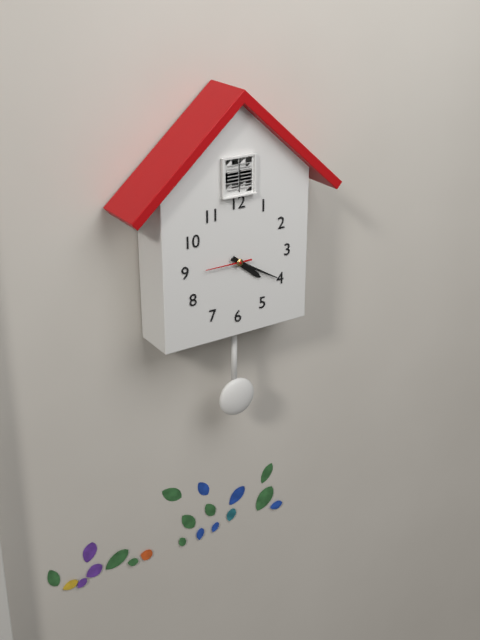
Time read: 4:20
